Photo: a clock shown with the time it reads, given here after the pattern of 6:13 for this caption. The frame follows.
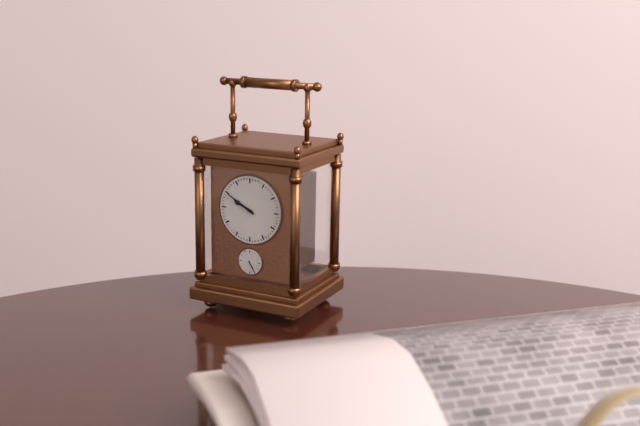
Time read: 9:50
